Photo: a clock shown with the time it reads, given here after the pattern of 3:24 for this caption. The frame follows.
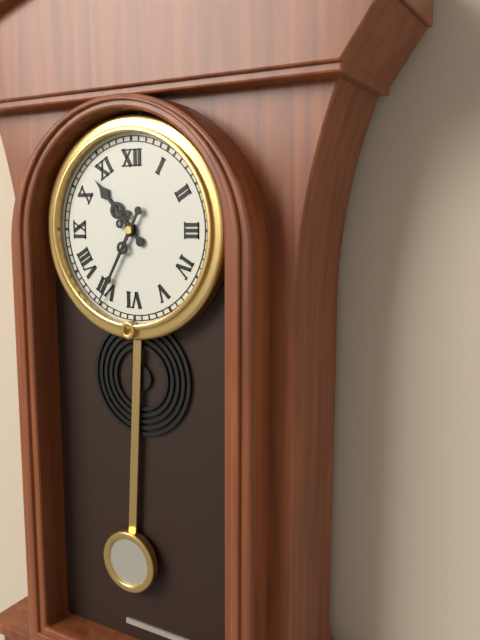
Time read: 10:35
